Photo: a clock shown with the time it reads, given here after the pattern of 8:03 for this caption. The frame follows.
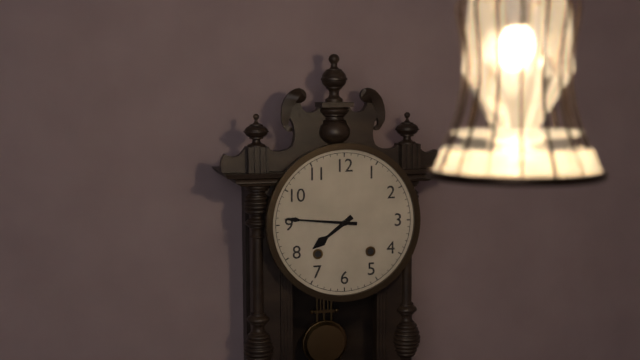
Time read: 7:46
